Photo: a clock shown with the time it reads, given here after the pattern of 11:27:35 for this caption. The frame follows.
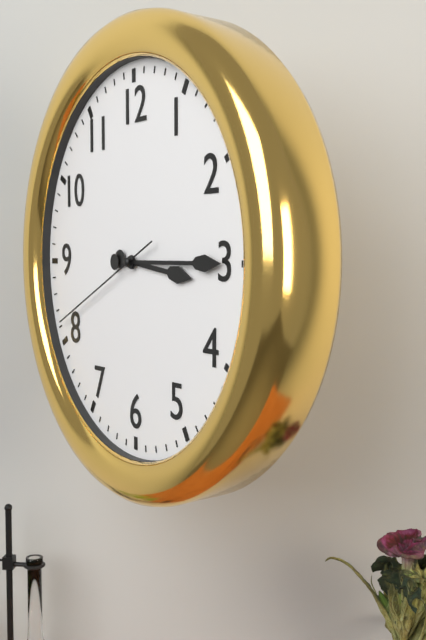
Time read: 3:15:41
